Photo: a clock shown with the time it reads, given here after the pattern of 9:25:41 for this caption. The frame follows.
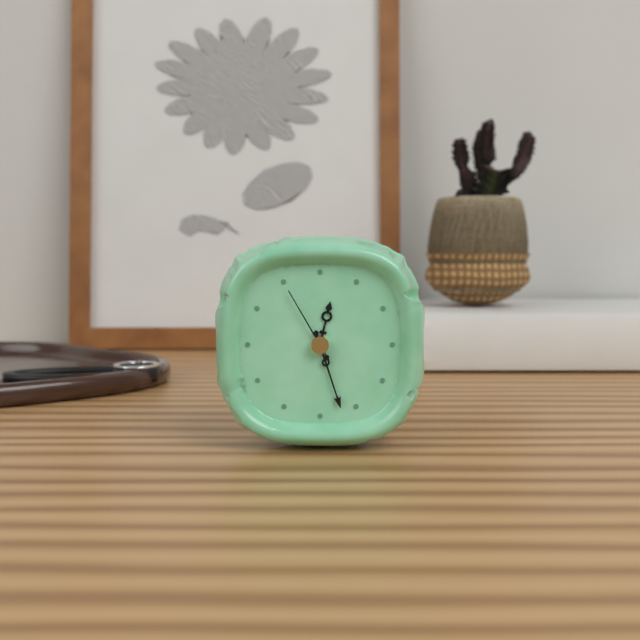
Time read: 12:27:55
